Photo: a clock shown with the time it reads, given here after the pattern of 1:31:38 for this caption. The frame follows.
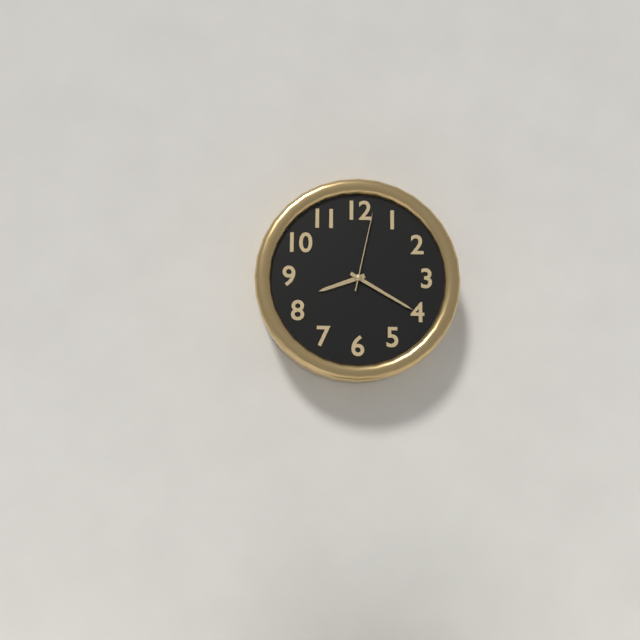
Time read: 8:20:02
